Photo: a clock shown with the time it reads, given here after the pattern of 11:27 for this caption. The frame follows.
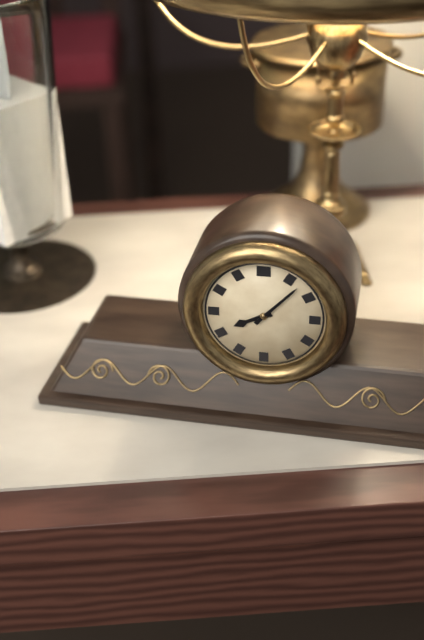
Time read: 8:07
